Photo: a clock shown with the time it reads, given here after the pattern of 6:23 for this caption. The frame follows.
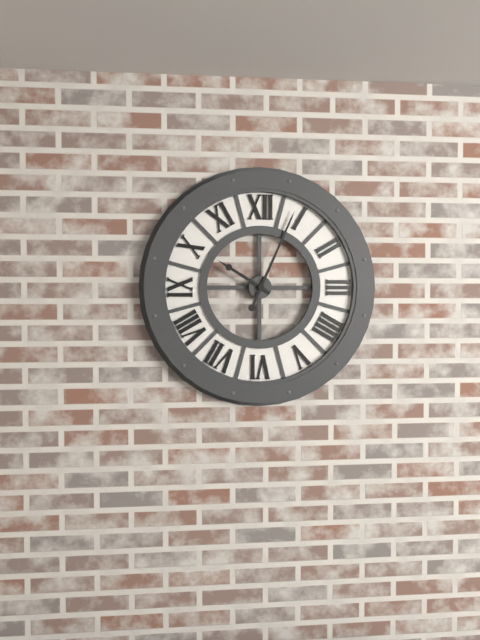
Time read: 10:04
